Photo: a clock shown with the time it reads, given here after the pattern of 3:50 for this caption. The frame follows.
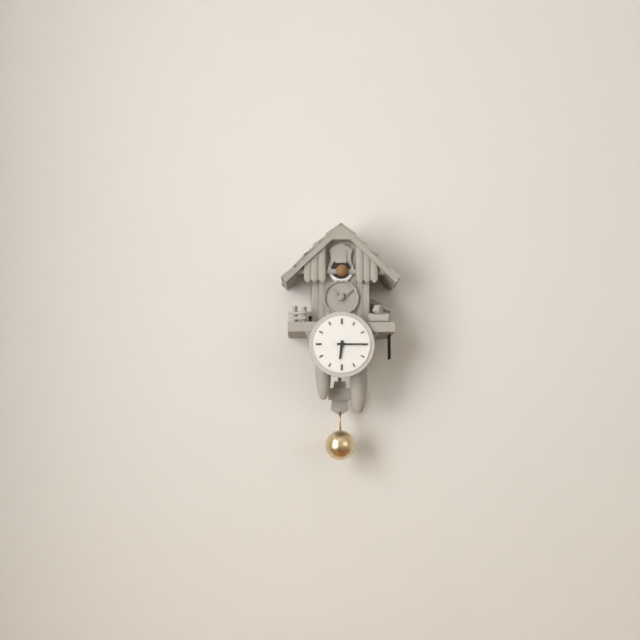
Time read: 6:15
